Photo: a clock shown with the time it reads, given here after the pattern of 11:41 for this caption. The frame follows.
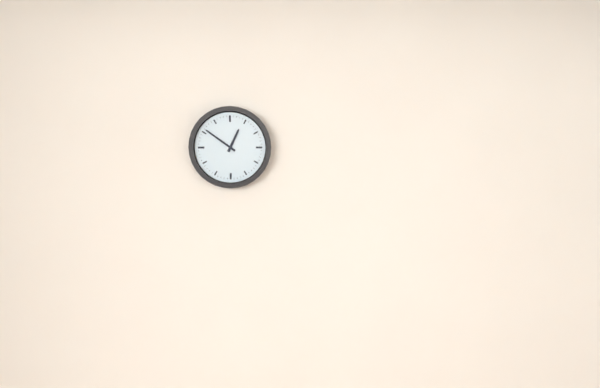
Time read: 12:51
